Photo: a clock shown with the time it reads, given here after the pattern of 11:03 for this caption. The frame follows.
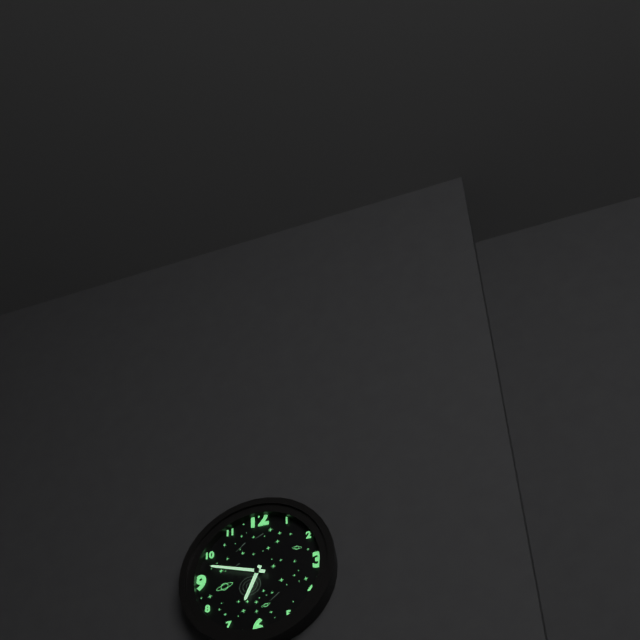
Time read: 6:48
